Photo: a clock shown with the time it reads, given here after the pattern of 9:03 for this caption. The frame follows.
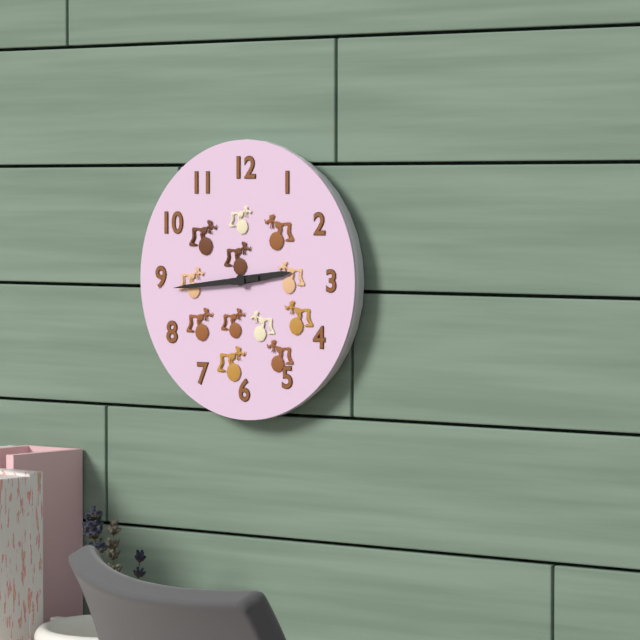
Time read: 2:44
